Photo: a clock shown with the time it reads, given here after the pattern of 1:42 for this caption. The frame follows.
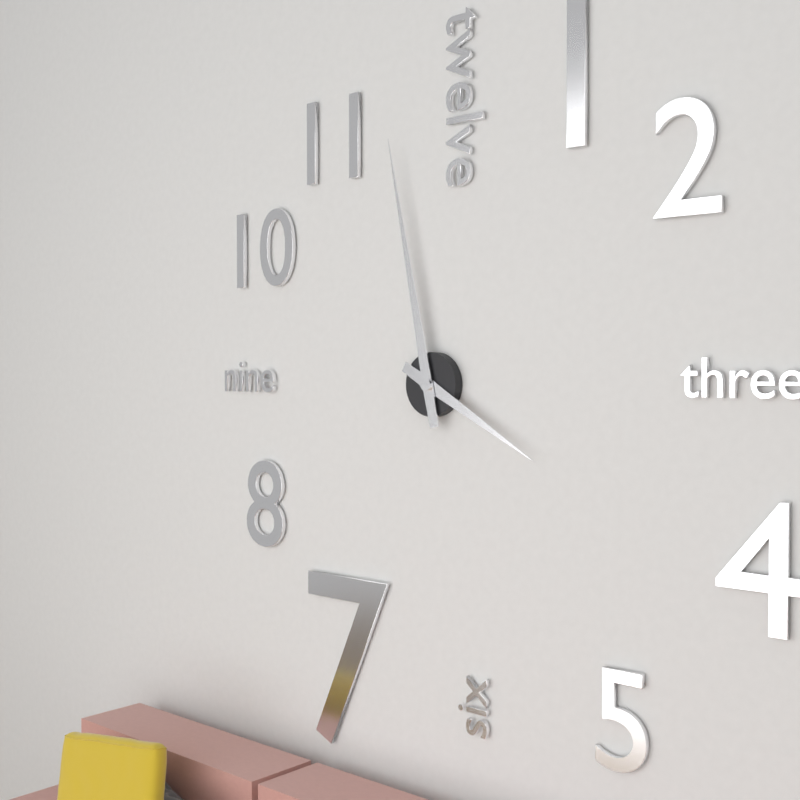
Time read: 3:58
